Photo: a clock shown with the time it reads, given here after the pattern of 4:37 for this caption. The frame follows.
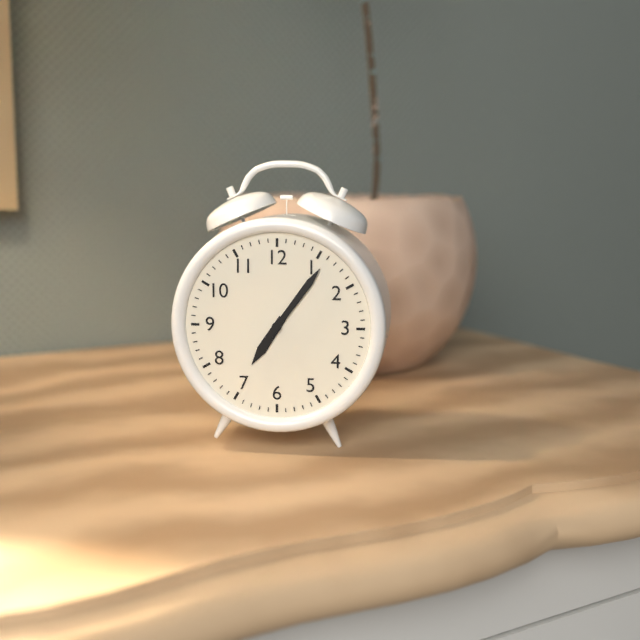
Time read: 7:06
